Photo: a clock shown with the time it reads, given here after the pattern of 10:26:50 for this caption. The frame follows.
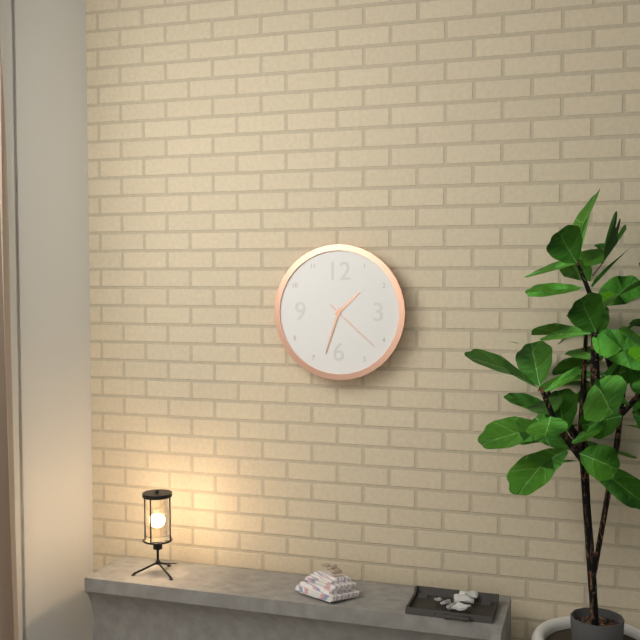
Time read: 1:33:22
